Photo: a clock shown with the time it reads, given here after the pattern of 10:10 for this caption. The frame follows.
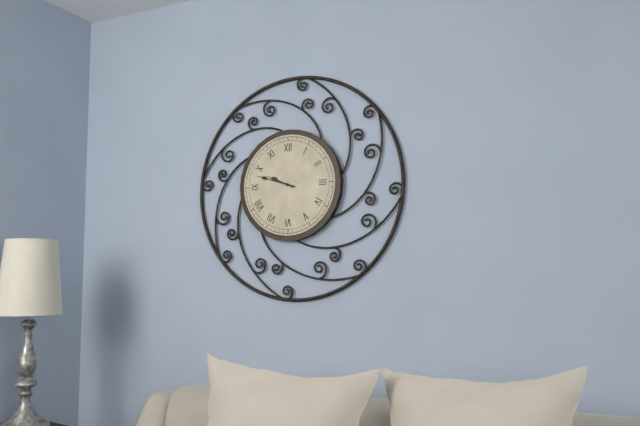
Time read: 9:48
